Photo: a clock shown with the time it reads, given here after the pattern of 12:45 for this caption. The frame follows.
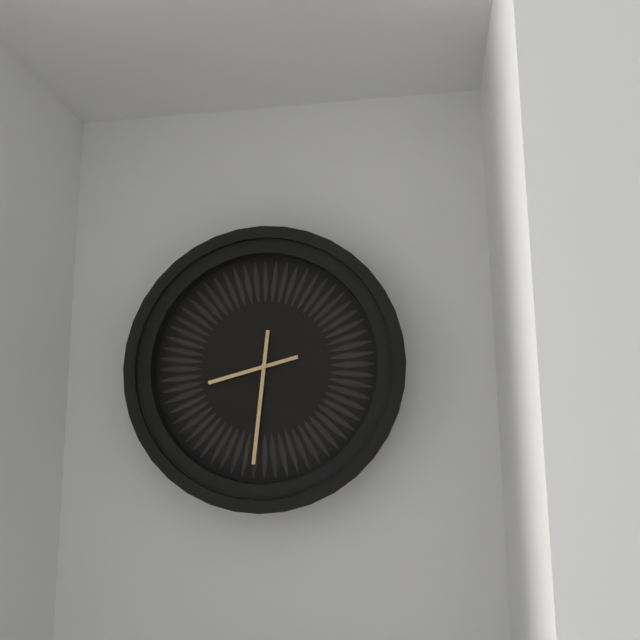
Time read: 8:31
